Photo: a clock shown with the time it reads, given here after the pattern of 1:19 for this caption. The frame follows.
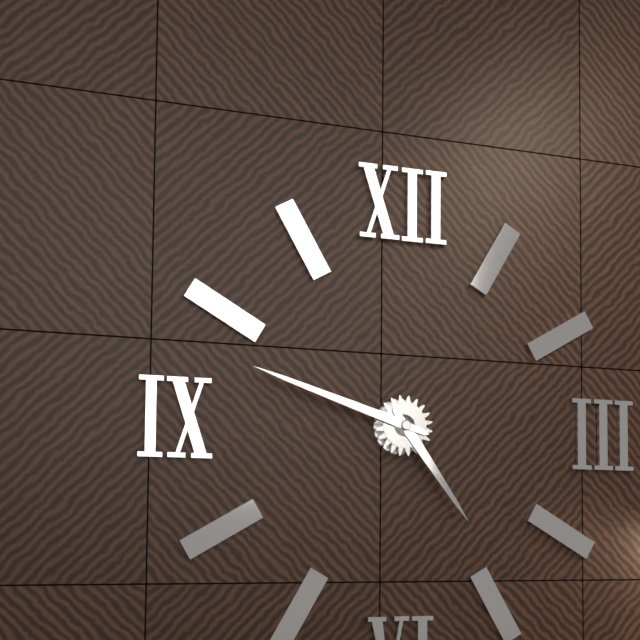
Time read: 4:48
